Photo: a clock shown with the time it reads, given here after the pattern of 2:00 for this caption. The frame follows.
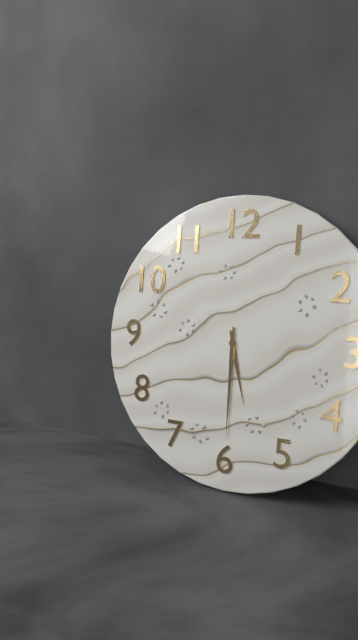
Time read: 5:30
